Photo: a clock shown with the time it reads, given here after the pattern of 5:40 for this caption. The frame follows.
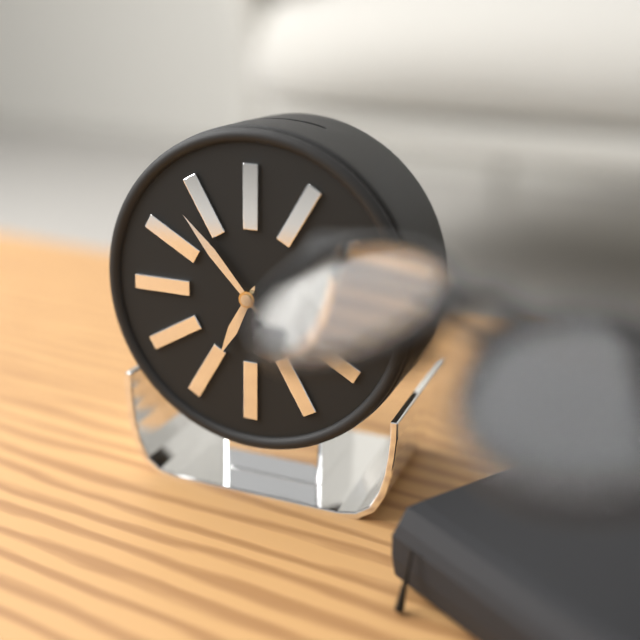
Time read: 6:53
